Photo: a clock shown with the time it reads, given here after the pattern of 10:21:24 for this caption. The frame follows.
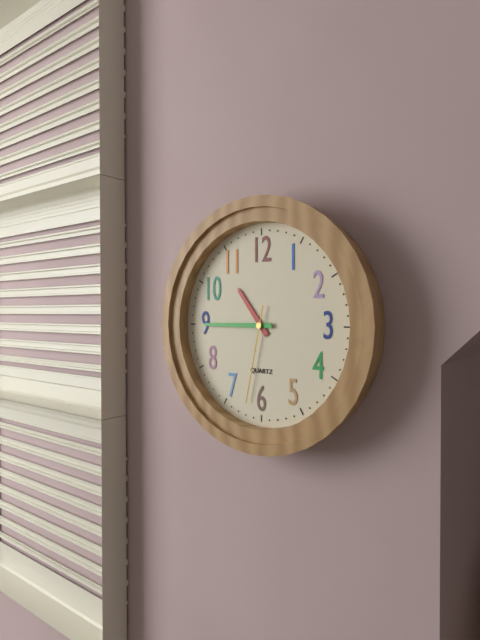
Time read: 10:45:32
